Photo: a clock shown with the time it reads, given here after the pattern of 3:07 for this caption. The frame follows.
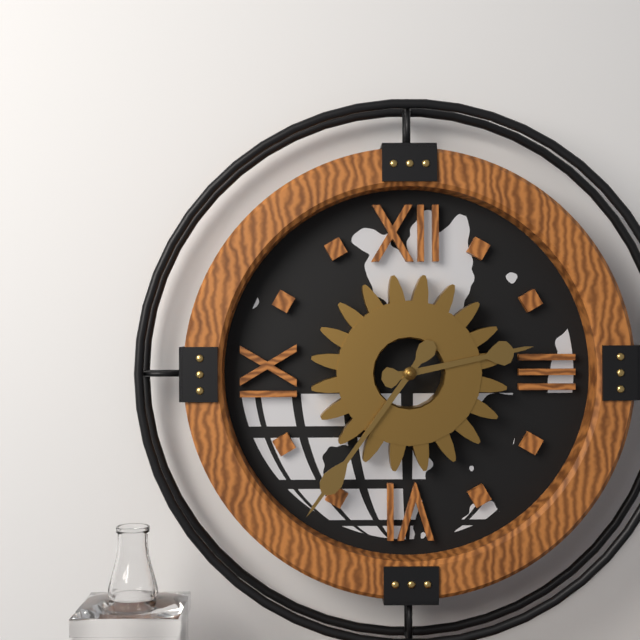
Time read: 2:36
